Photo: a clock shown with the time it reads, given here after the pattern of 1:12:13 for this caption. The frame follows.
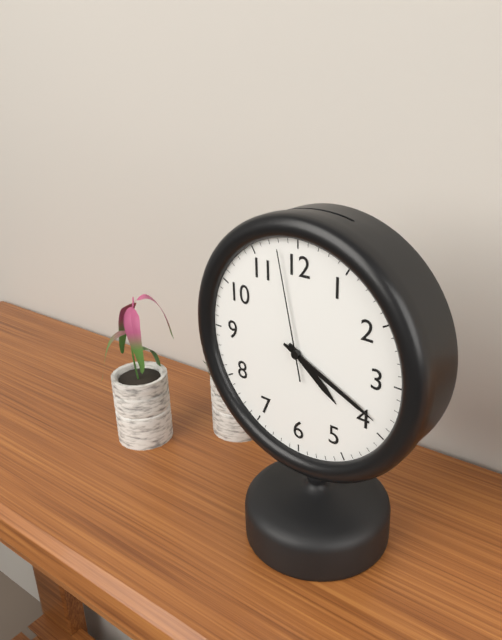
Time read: 4:19:58
